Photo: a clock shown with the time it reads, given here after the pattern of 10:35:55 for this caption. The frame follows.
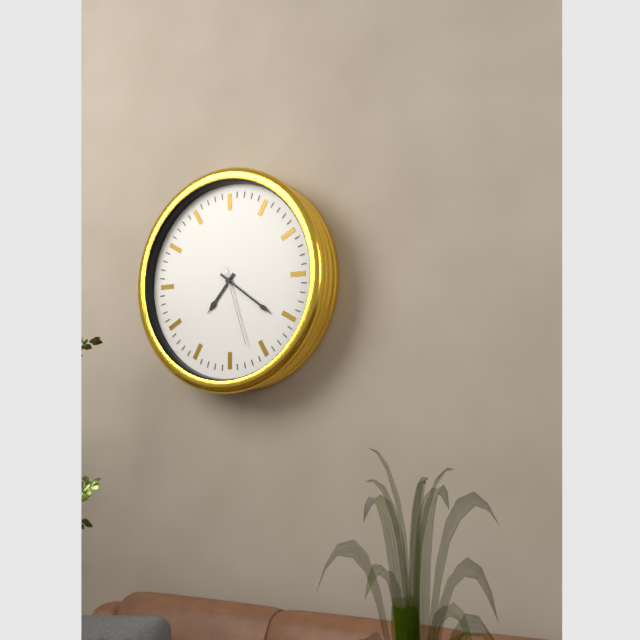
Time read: 7:21:27
